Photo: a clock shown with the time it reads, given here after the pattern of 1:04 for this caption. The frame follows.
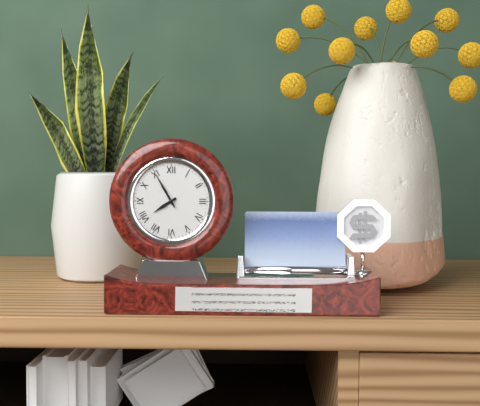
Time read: 7:55
